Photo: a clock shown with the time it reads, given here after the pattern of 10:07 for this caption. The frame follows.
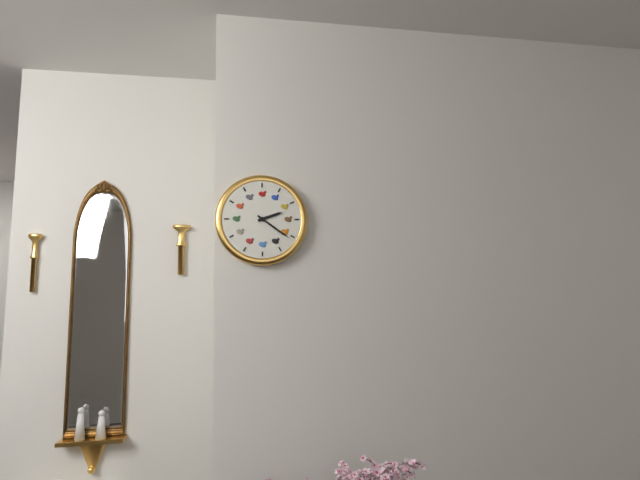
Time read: 2:21
